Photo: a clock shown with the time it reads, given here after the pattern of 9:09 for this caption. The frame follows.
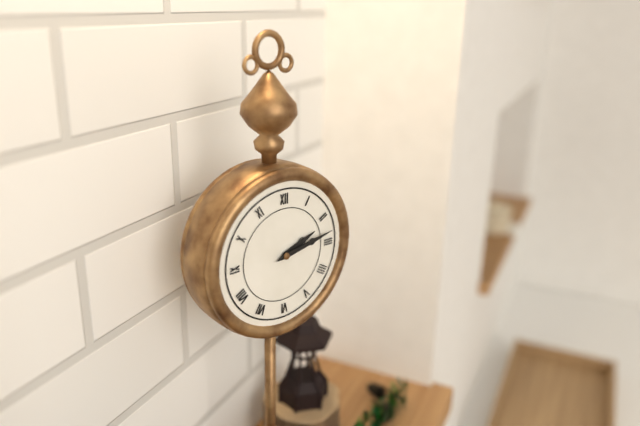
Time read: 2:13
